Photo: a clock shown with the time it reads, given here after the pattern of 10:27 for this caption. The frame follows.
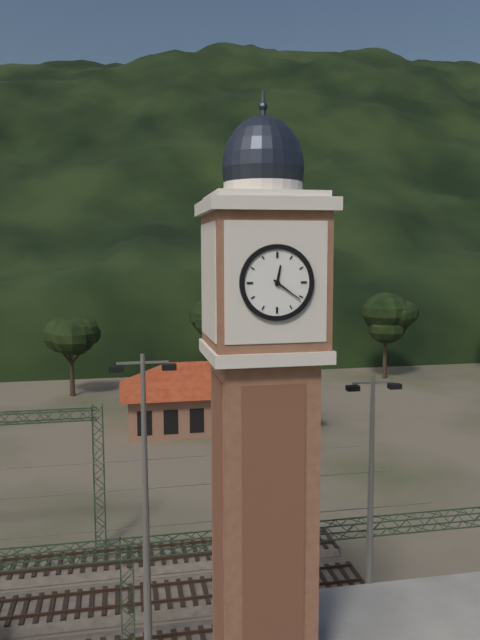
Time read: 12:21
